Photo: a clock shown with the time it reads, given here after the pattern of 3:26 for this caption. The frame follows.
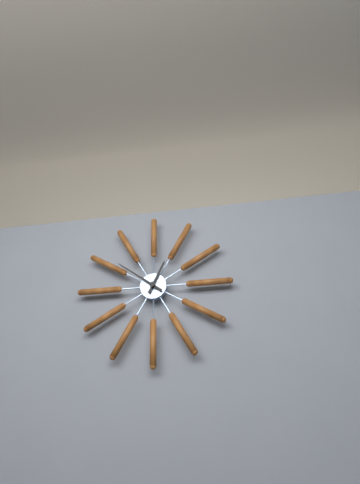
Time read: 12:51
